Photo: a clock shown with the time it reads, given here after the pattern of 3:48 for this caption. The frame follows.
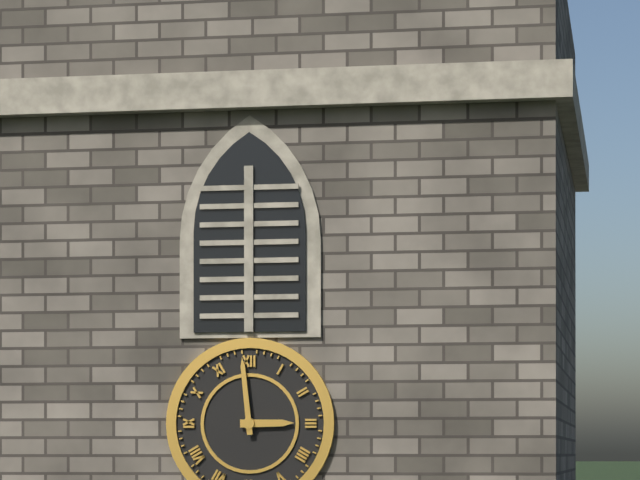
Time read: 2:59
